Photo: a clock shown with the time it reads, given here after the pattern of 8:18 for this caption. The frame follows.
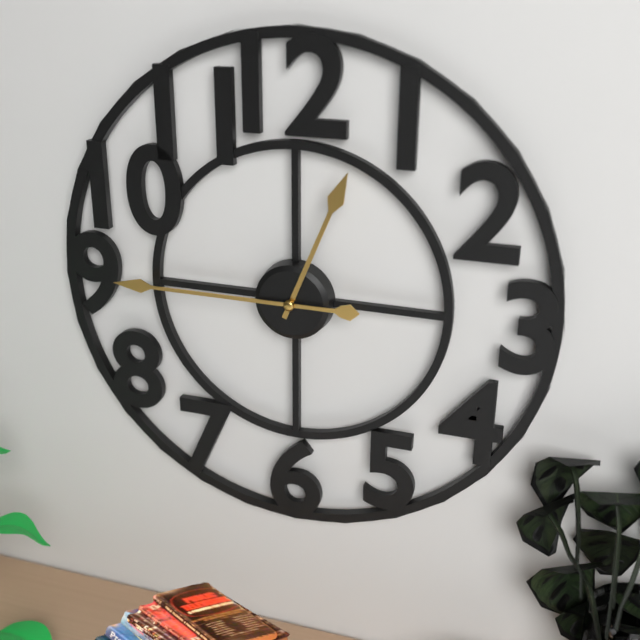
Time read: 12:45
